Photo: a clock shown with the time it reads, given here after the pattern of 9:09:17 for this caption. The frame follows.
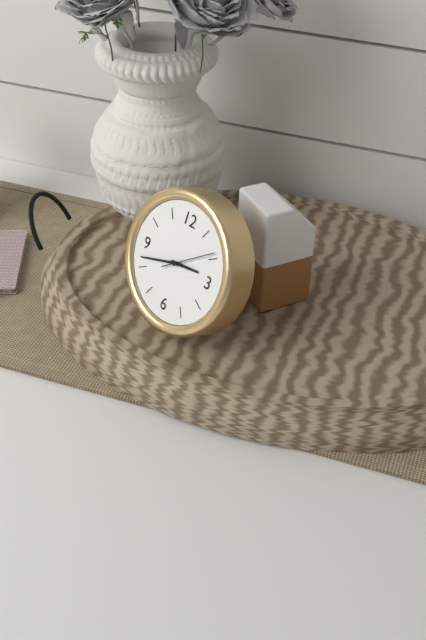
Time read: 2:42:09
